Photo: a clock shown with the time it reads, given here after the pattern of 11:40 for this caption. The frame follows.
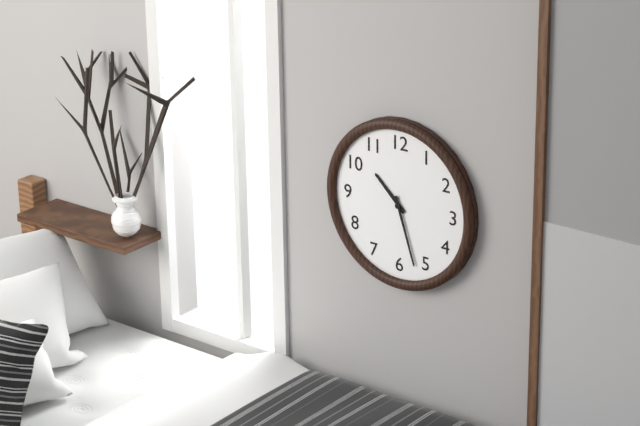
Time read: 10:27
